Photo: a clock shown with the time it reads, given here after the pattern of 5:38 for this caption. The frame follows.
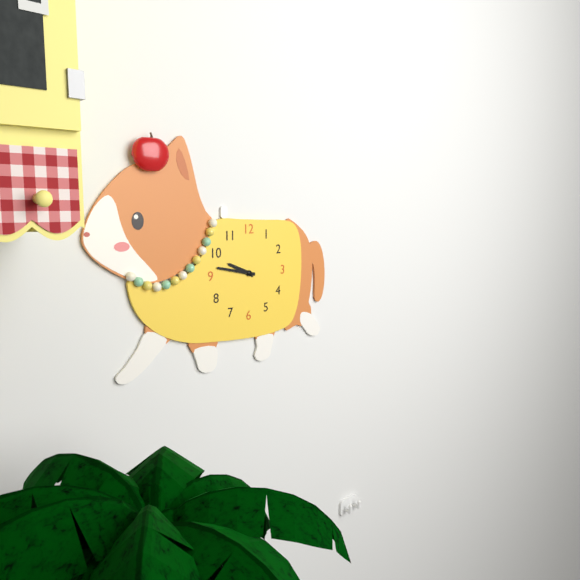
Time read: 9:47
